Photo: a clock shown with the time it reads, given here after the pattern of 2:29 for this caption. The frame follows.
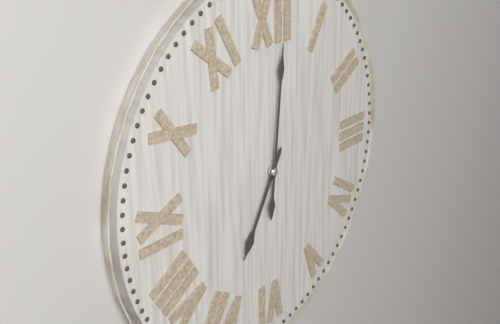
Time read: 7:01
